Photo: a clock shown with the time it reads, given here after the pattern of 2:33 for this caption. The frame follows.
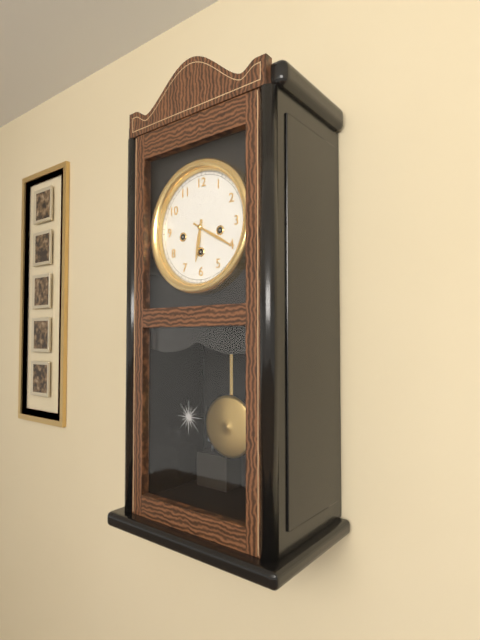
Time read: 6:20
